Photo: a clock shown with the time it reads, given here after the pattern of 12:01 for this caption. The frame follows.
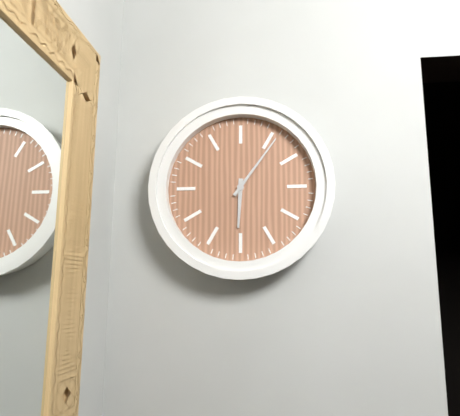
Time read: 6:06
